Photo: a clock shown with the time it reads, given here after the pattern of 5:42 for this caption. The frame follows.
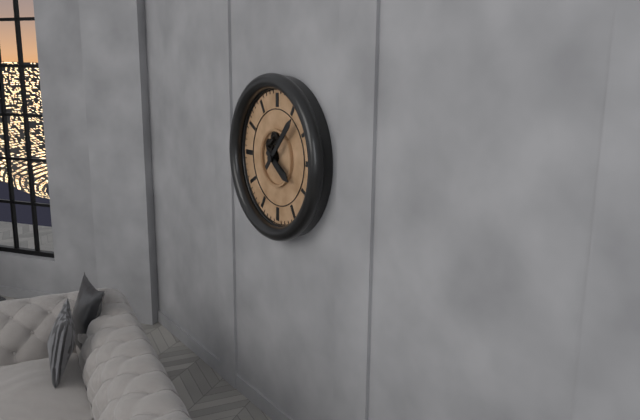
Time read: 4:07
